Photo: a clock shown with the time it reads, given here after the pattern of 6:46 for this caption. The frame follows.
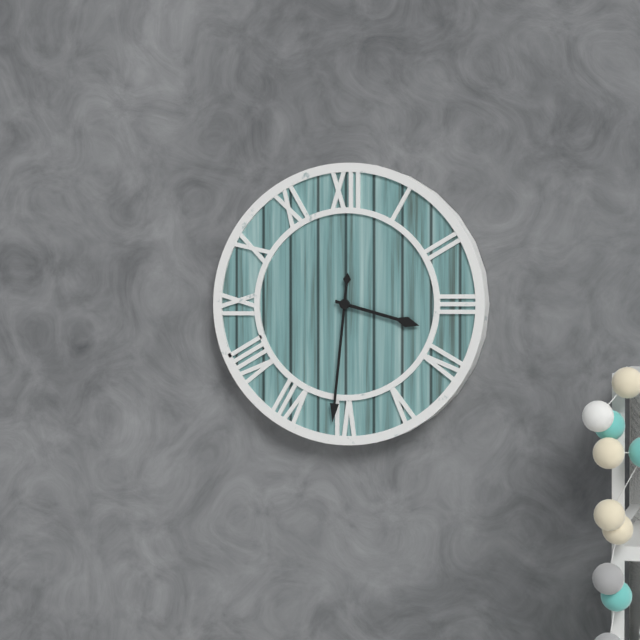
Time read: 3:31
